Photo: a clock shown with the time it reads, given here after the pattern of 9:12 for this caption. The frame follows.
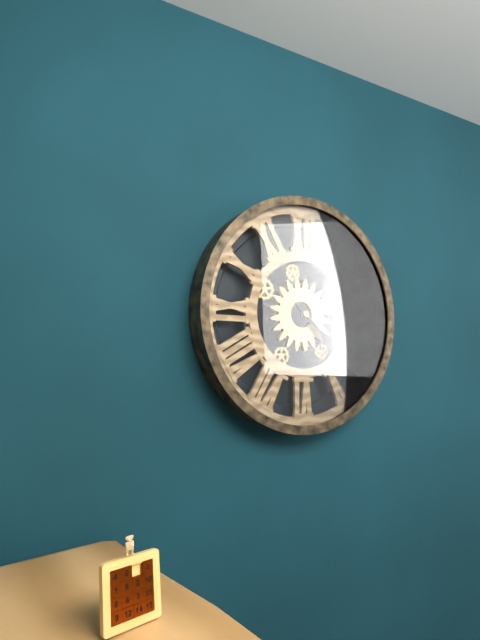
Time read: 4:22
